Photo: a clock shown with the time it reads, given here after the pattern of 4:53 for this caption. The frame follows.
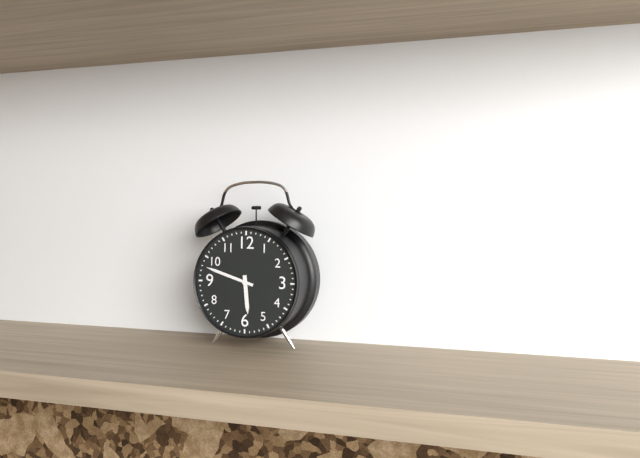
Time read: 5:48
